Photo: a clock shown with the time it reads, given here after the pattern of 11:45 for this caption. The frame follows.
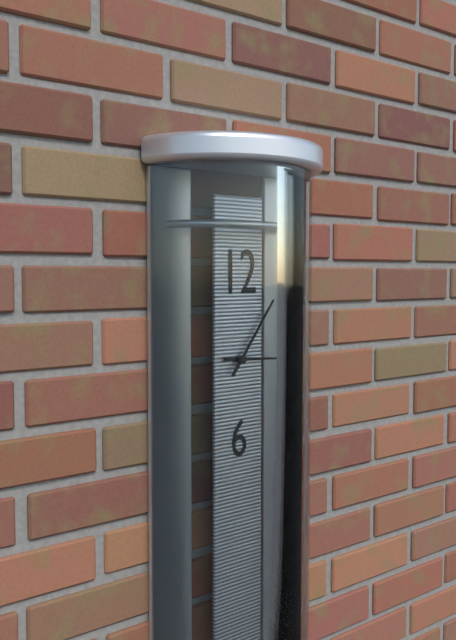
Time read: 3:06
